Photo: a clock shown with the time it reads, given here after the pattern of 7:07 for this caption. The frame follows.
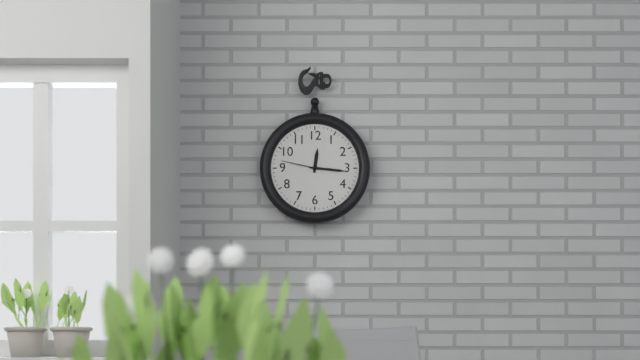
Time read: 12:16
